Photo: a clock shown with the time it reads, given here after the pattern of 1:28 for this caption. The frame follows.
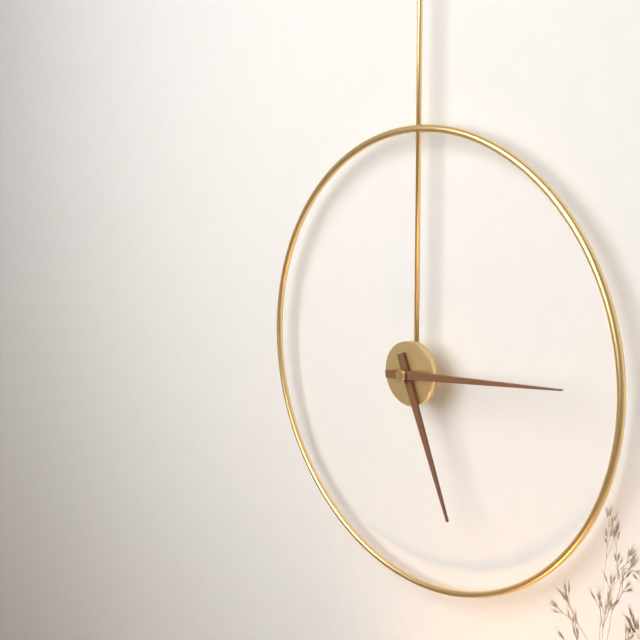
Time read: 5:14
